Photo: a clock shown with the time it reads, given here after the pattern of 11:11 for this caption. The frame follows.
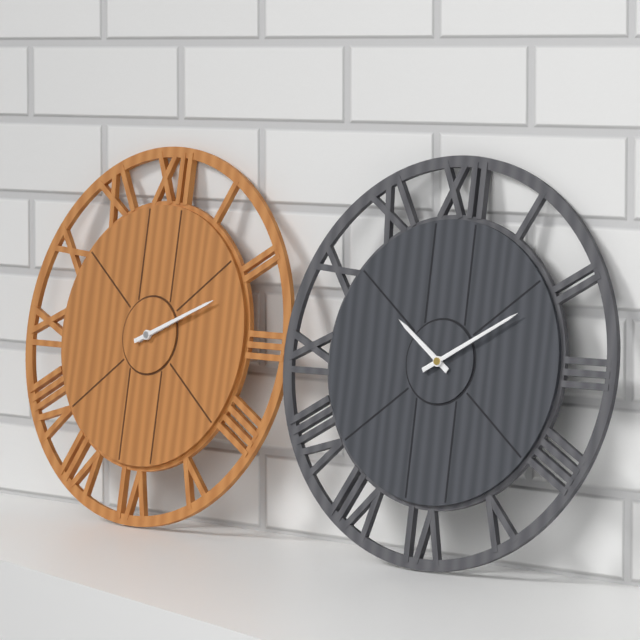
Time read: 2:11
